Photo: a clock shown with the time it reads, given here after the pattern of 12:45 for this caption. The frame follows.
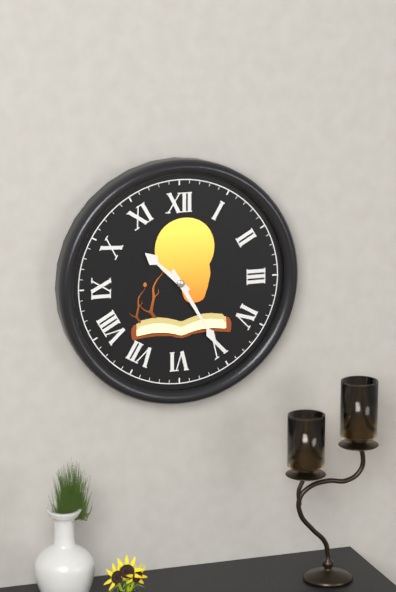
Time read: 10:25
